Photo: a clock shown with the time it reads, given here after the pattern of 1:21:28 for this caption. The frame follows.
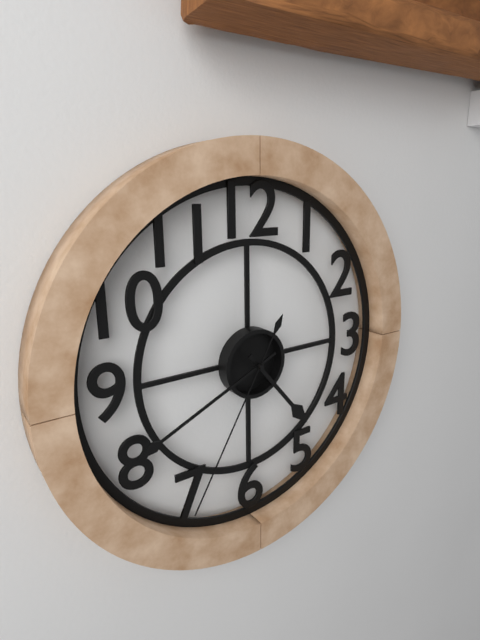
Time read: 4:41:35
